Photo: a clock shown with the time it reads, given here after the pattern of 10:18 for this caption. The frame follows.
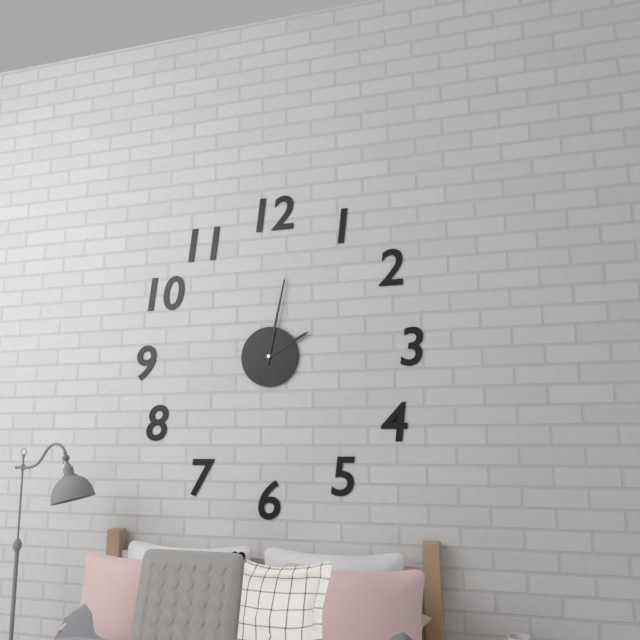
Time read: 2:02
